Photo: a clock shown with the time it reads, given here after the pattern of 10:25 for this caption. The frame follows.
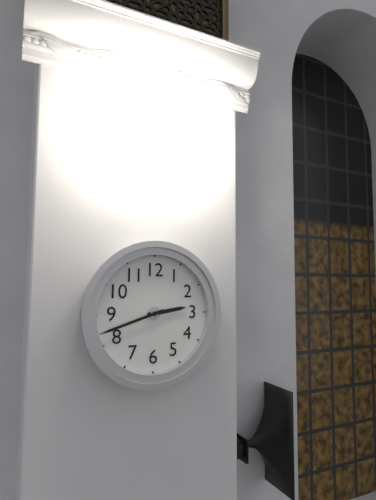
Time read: 2:42
